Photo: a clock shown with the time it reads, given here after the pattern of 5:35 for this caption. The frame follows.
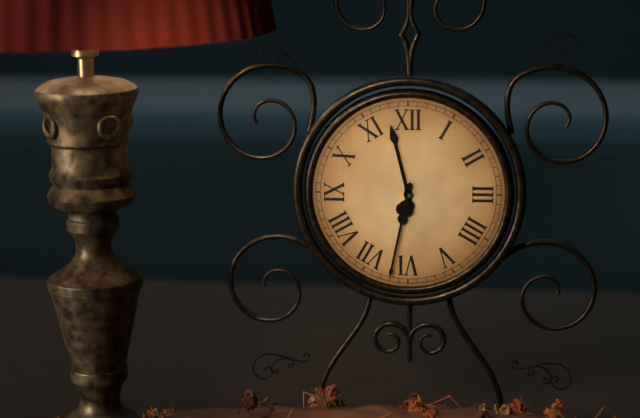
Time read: 11:32
